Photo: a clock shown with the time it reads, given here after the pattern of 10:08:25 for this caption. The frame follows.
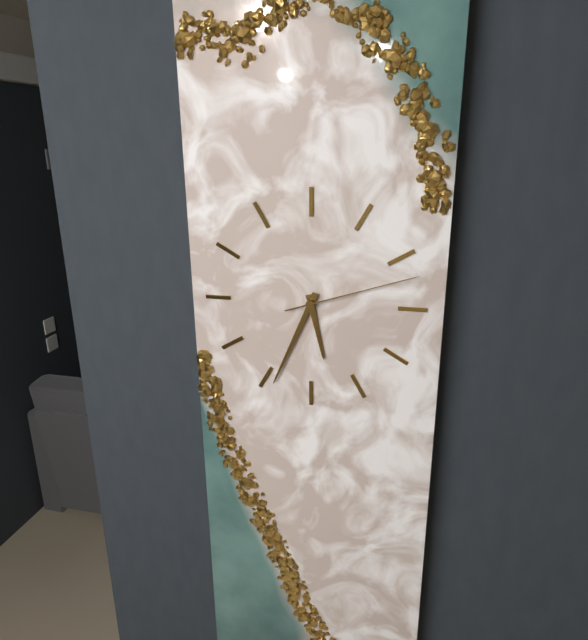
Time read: 5:34:12
